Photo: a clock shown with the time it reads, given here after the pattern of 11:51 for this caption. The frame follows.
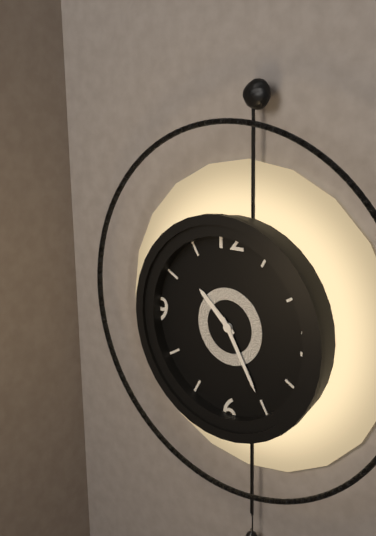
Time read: 10:25
